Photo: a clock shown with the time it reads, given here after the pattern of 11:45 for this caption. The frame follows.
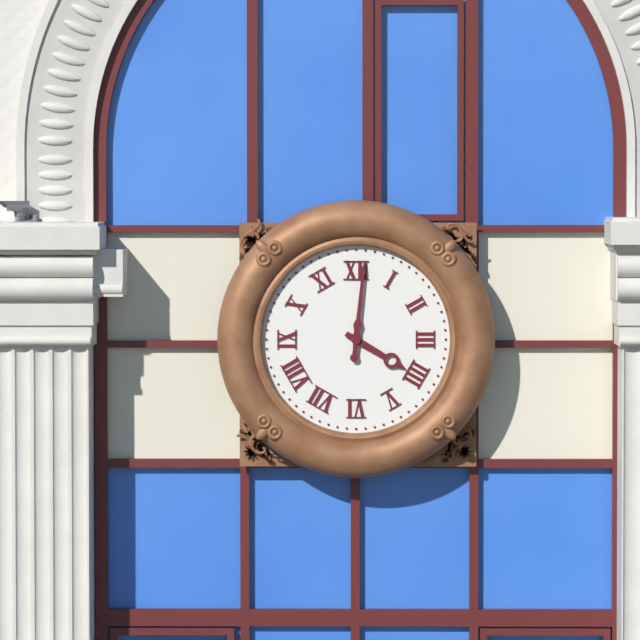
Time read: 4:01
